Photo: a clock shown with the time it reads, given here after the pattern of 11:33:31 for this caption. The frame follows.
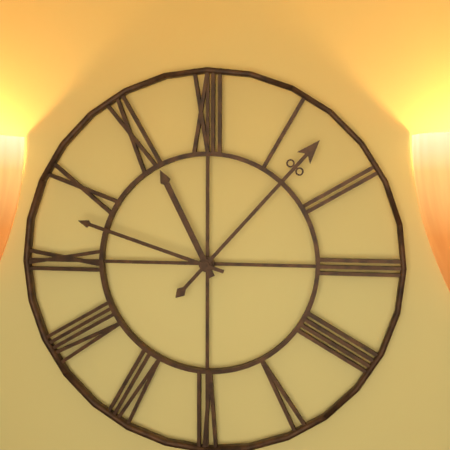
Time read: 11:07:48
